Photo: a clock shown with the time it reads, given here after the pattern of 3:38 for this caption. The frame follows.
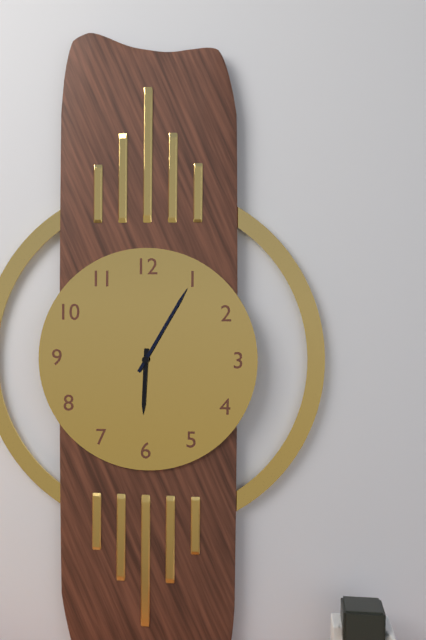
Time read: 6:05
